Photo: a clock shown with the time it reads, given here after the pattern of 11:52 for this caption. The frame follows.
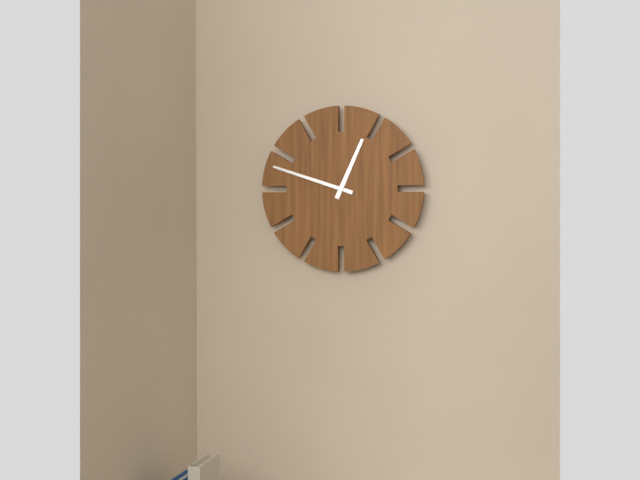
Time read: 12:48
